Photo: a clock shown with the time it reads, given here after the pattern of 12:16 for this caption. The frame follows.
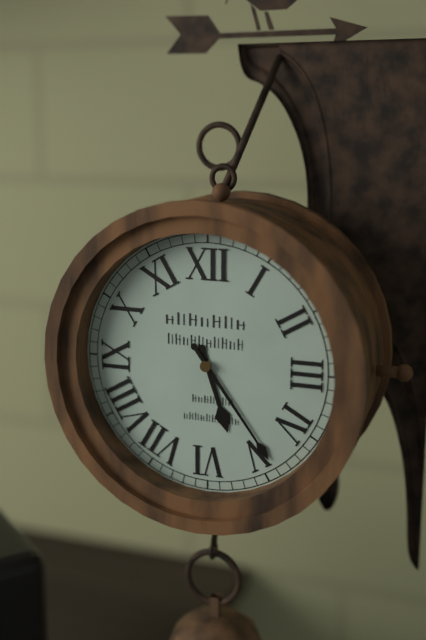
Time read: 5:24
